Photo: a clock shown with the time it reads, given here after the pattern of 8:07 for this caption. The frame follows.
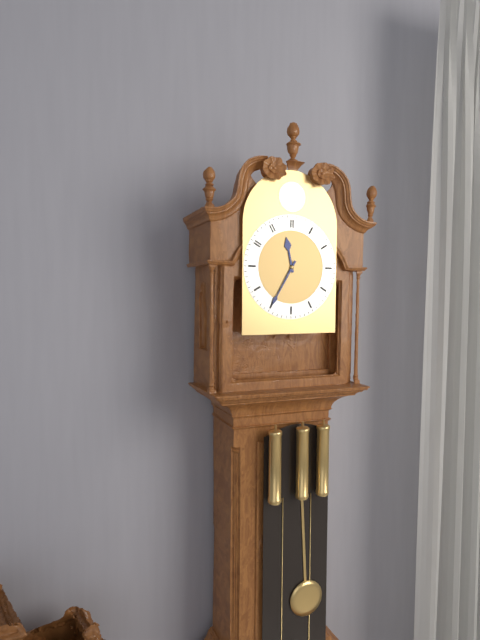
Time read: 11:35
